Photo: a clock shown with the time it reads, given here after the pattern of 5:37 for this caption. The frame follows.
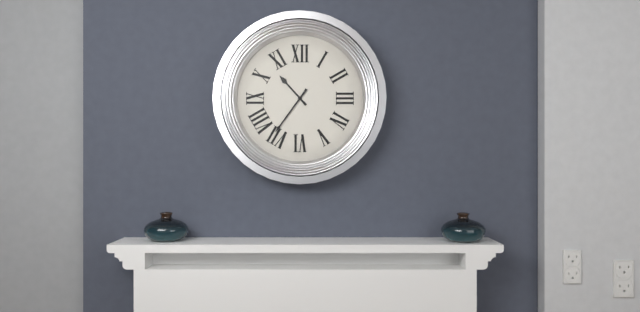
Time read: 10:36
